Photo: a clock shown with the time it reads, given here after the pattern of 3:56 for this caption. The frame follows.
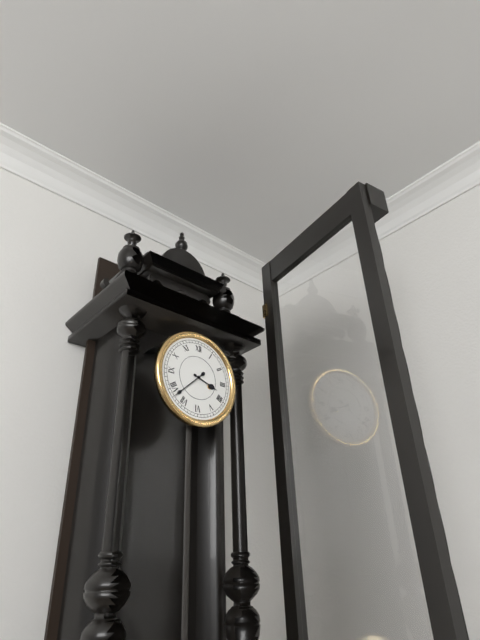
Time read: 3:38
